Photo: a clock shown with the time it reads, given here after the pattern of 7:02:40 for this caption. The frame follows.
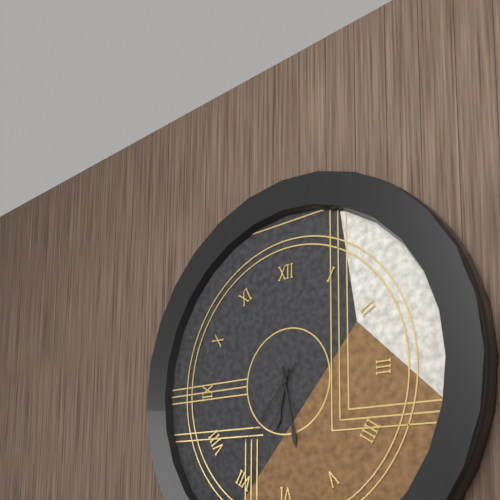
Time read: 6:28:37
